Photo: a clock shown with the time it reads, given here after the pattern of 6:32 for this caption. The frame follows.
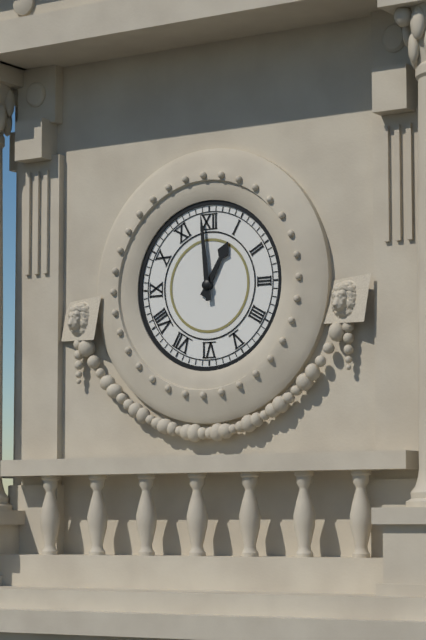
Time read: 12:59
